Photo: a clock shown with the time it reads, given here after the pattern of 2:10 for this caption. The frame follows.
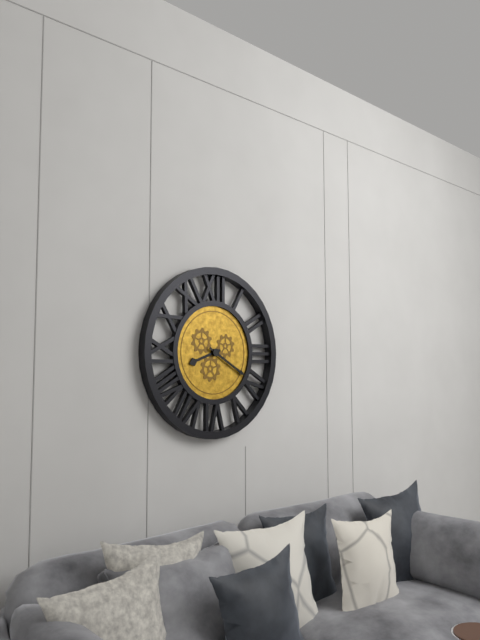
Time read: 8:20
